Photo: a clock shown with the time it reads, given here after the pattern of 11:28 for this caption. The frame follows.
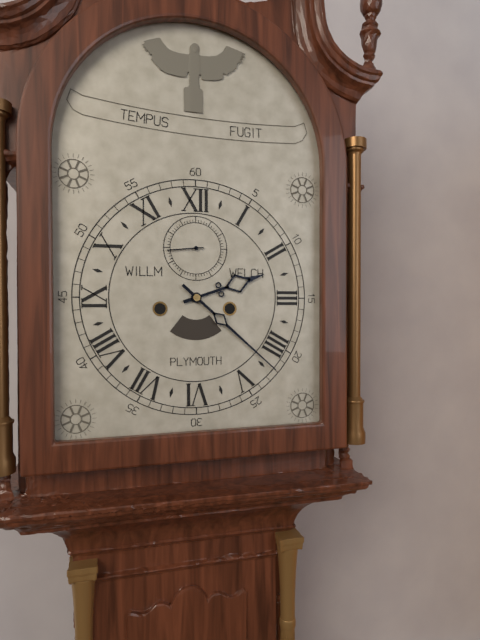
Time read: 2:22
